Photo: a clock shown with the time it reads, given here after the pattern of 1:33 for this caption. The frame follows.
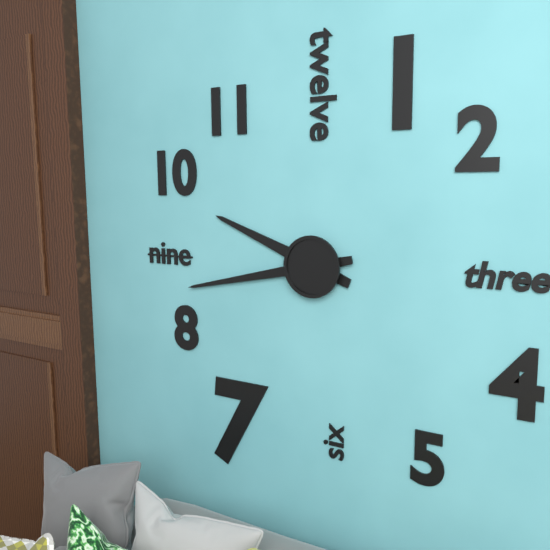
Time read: 9:43
